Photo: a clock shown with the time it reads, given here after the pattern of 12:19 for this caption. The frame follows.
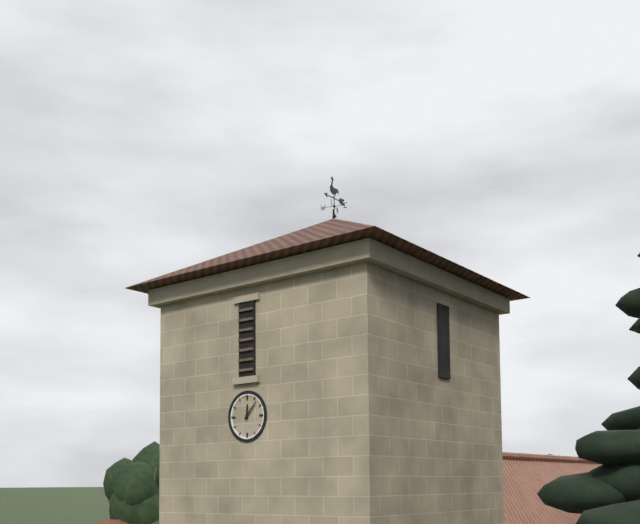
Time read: 12:07
